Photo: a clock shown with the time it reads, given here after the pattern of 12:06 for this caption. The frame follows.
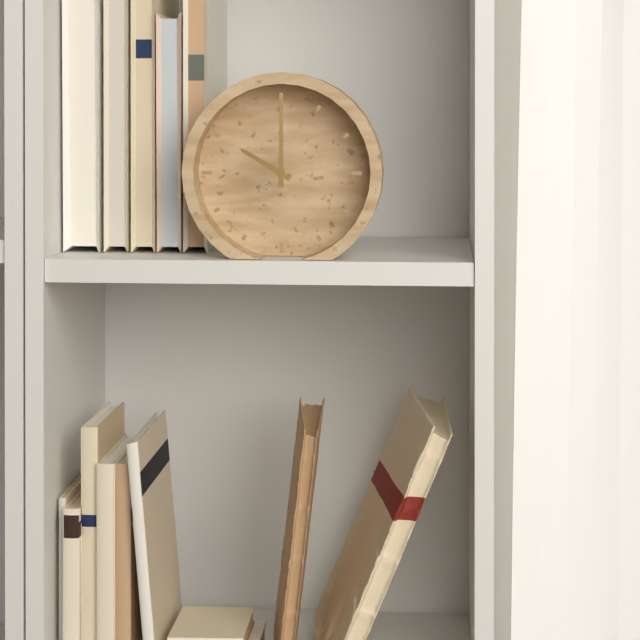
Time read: 10:00
